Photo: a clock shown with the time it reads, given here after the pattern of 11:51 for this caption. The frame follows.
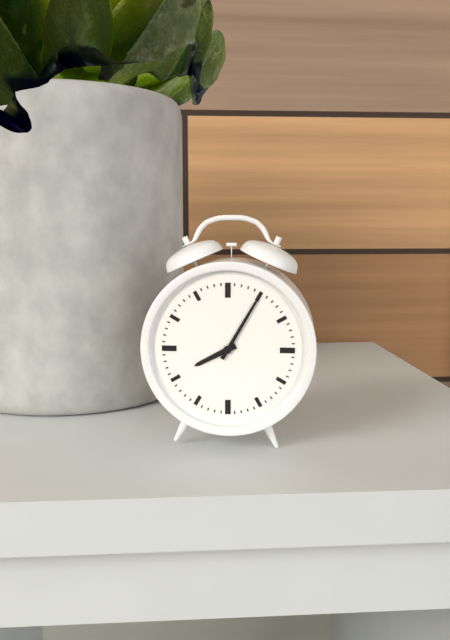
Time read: 8:05
